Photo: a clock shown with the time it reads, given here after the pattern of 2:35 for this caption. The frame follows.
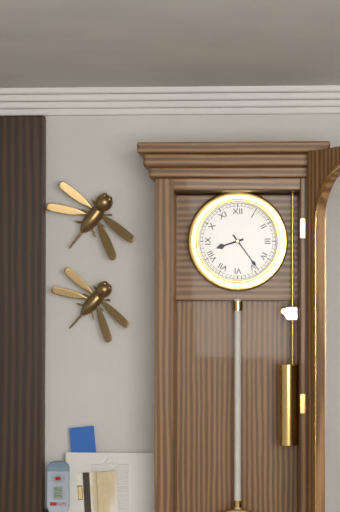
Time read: 8:24
